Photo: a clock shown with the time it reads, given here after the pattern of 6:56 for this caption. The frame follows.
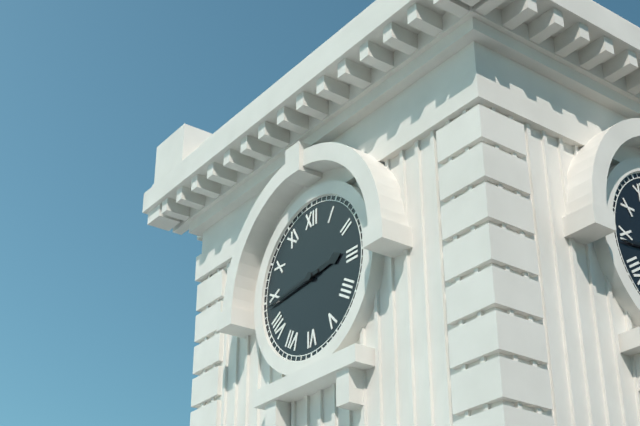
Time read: 2:44
